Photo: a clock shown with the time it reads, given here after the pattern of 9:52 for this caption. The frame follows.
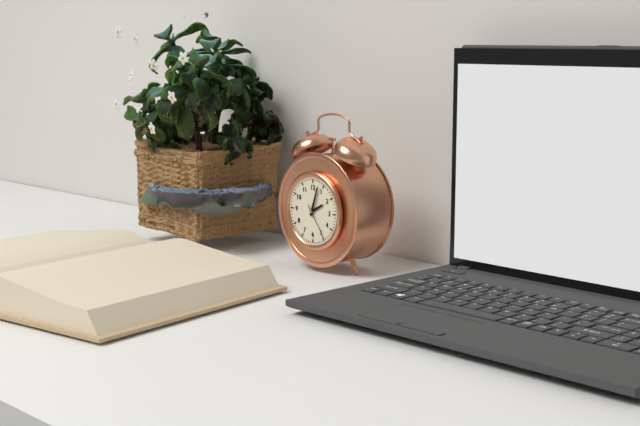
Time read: 2:03
